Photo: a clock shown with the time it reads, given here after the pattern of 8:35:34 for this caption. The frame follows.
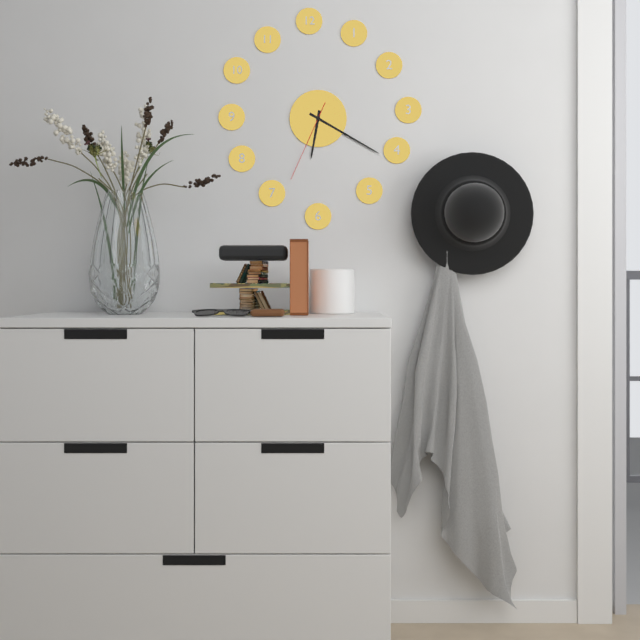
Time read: 6:20:34
